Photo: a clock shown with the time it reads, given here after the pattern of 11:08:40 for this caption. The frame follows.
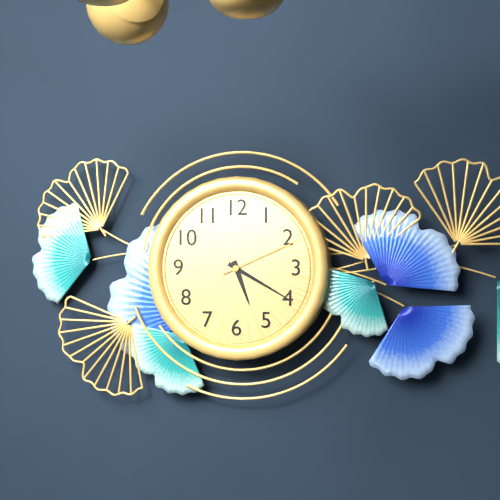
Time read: 5:20:11
